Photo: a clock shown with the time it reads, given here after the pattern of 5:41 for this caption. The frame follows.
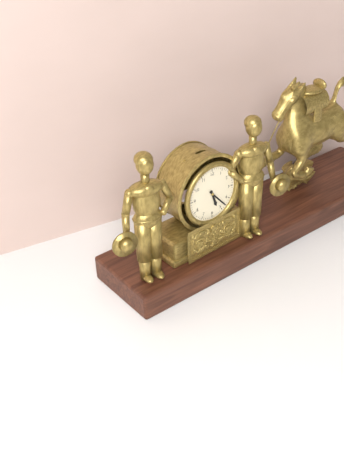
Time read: 5:23
